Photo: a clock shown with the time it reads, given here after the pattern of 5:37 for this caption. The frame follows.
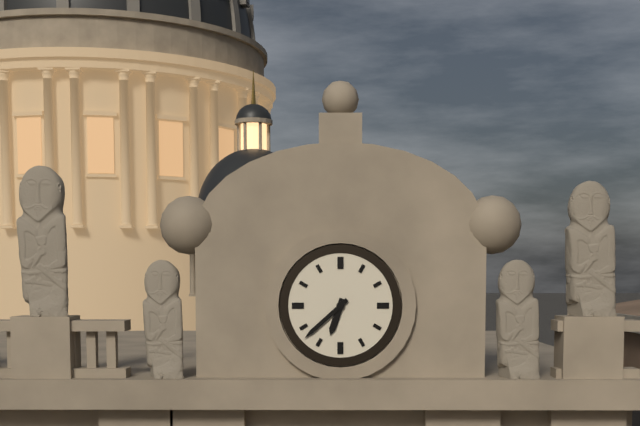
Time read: 6:38
